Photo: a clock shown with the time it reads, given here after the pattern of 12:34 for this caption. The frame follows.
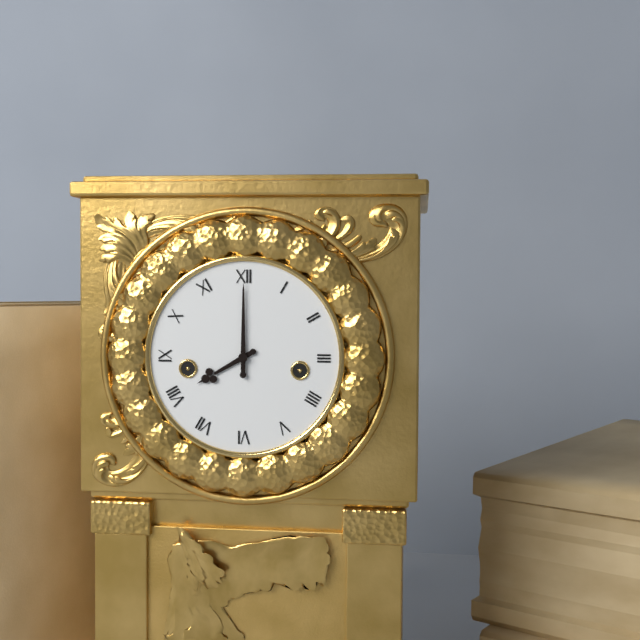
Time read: 8:00
